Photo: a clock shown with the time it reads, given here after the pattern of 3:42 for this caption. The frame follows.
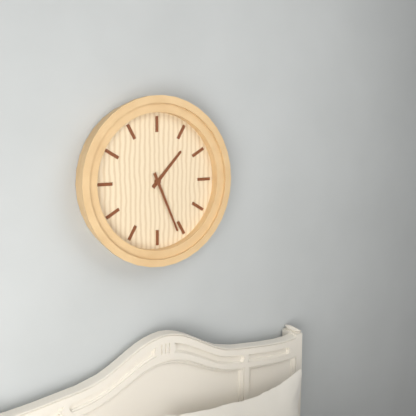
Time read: 1:26
